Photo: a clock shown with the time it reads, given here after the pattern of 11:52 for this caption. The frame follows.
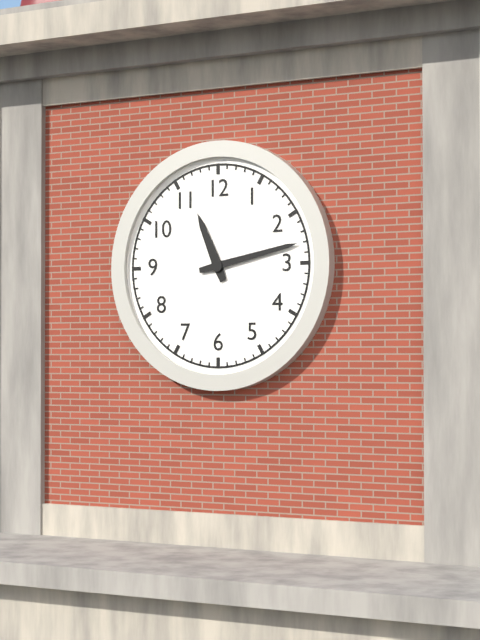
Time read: 11:13
